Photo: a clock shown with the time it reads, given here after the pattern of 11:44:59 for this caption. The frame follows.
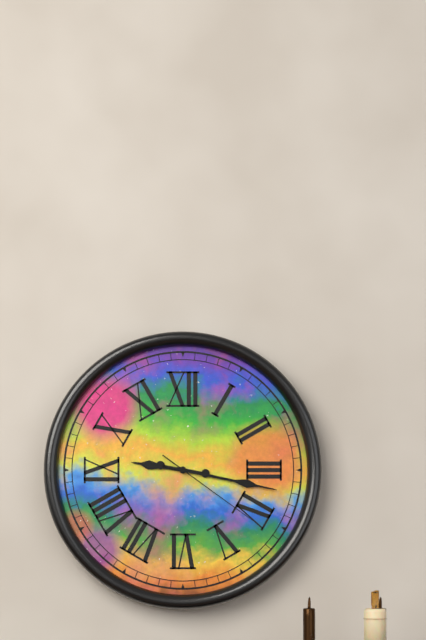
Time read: 9:17:21
